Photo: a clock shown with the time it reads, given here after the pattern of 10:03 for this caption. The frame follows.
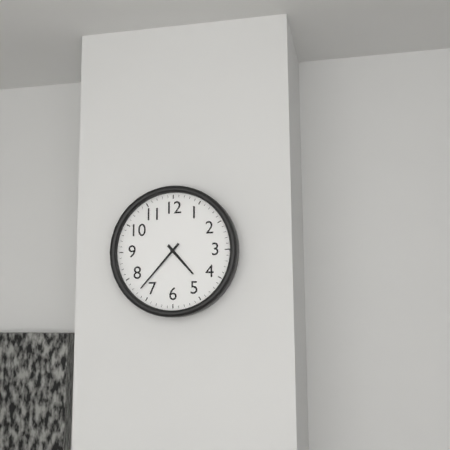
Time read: 4:37
